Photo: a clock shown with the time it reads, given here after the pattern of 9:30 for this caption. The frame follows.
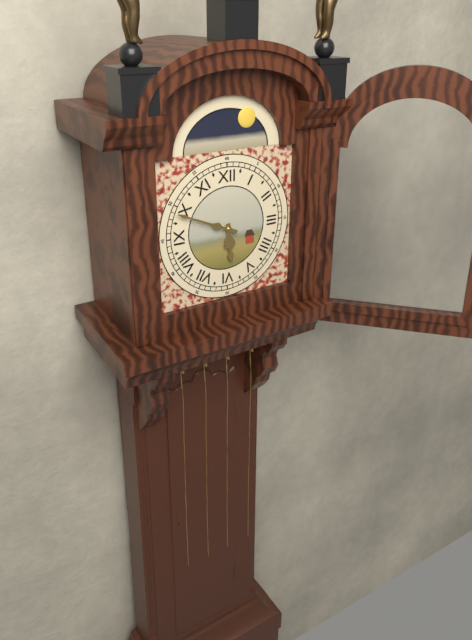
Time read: 5:49
